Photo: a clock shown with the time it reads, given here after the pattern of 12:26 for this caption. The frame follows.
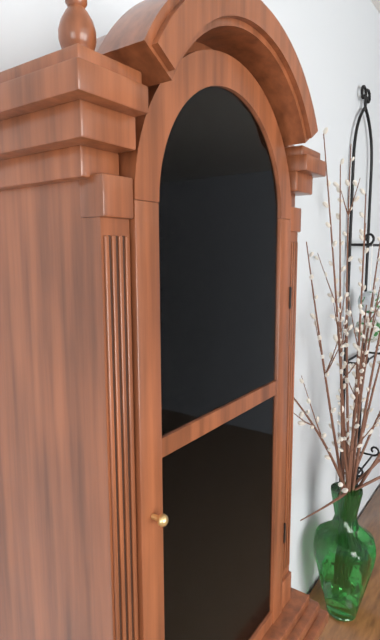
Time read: 1:56
